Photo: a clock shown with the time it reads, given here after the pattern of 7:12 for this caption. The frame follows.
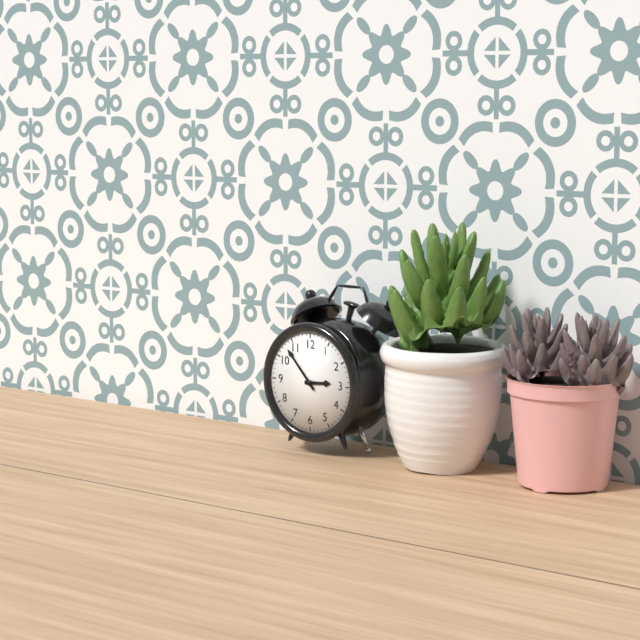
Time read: 2:53
